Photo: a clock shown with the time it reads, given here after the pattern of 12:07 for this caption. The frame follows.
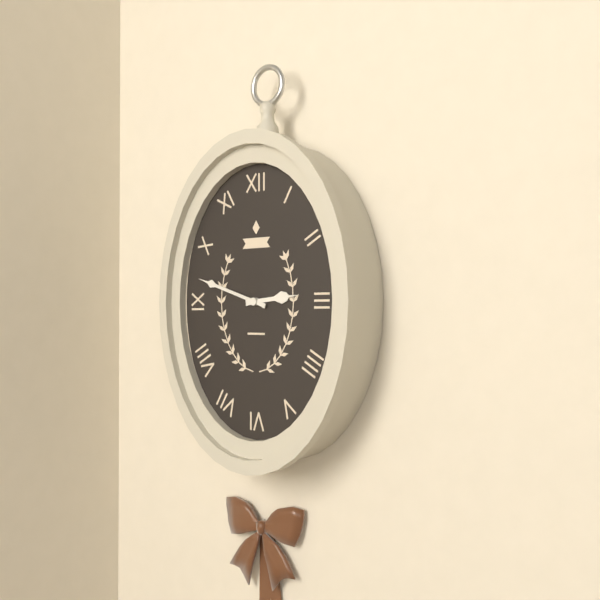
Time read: 2:48
